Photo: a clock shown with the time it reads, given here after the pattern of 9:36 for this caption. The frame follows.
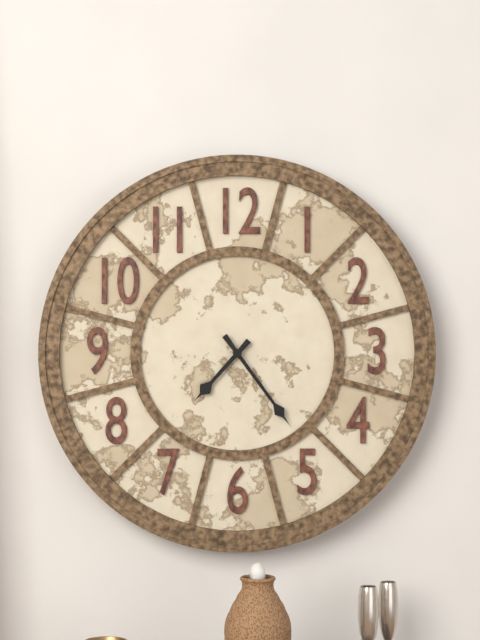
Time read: 7:24
